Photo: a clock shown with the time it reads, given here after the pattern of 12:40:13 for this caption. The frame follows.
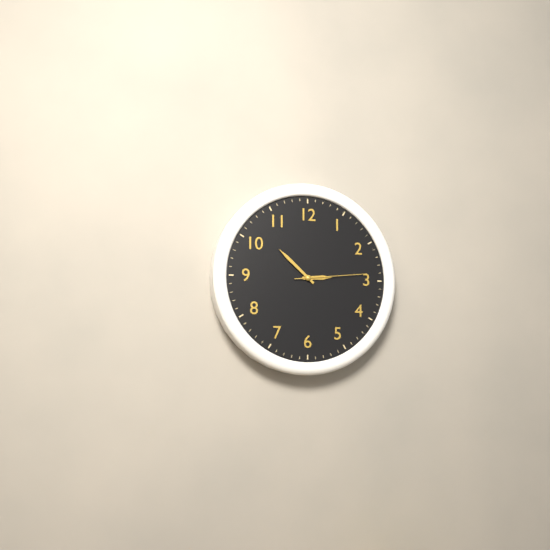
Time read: 2:52:14
